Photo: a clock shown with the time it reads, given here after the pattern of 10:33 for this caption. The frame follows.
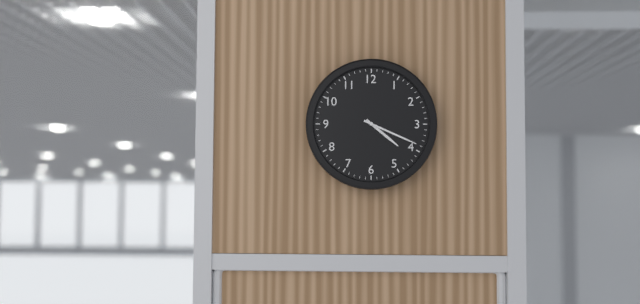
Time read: 4:19
